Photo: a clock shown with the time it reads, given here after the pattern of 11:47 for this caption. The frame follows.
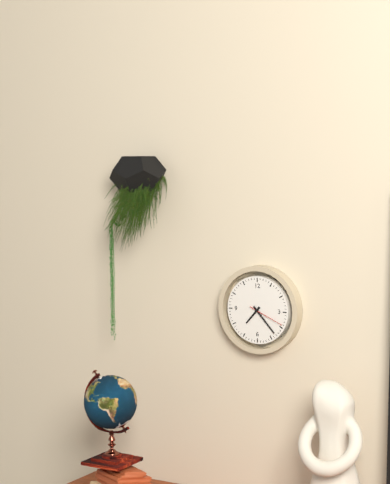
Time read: 7:23
